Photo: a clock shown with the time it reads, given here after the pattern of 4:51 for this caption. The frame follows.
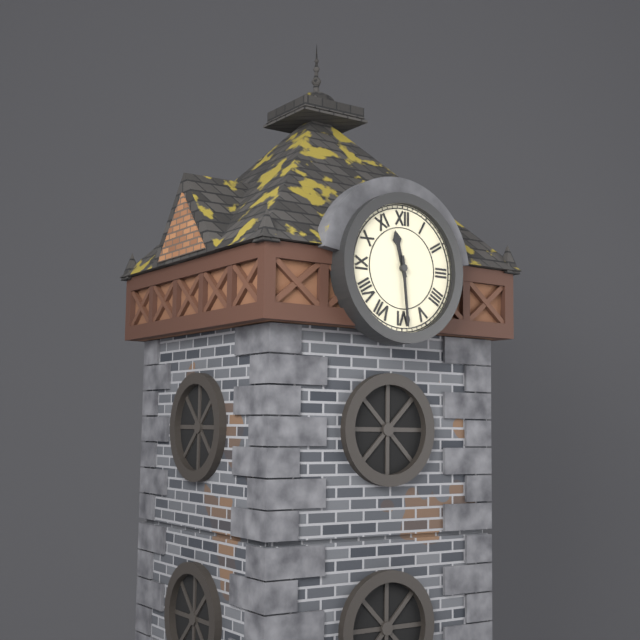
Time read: 11:29
